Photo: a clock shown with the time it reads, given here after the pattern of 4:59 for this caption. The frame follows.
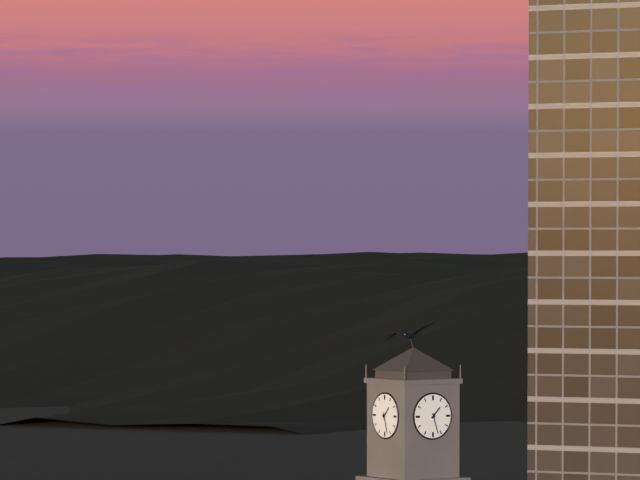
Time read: 1:27
